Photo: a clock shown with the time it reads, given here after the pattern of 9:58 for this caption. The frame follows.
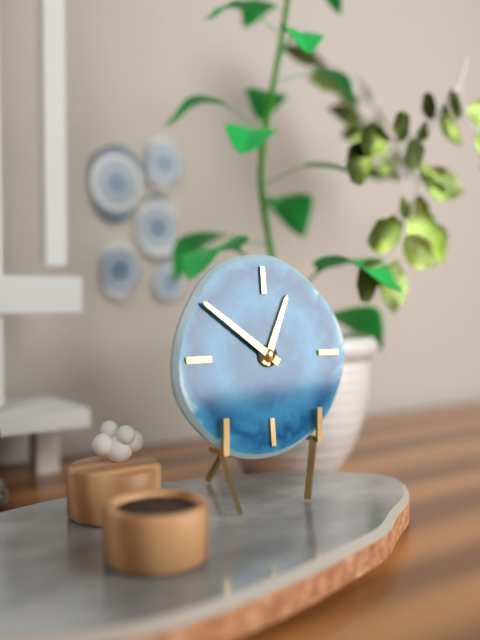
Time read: 12:51
